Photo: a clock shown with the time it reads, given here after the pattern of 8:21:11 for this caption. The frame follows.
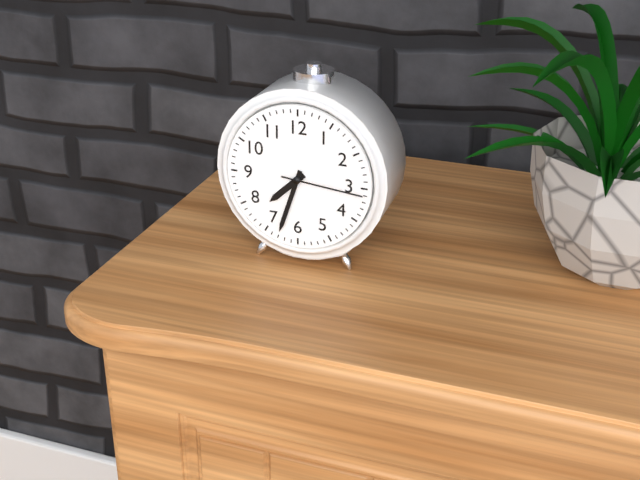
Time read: 7:33:16
